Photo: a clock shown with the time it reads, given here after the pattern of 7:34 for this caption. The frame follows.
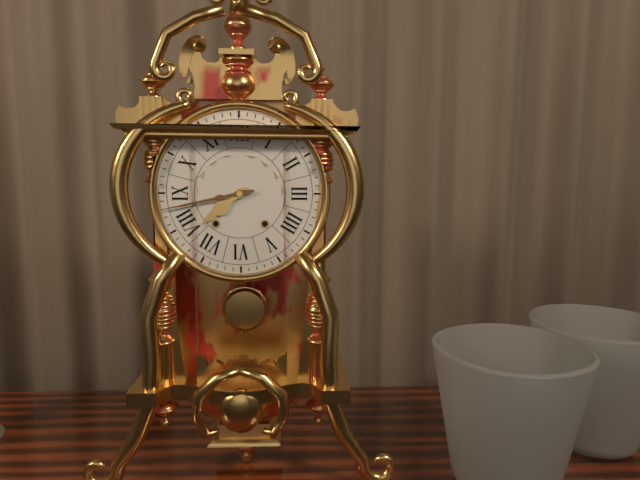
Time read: 7:43
